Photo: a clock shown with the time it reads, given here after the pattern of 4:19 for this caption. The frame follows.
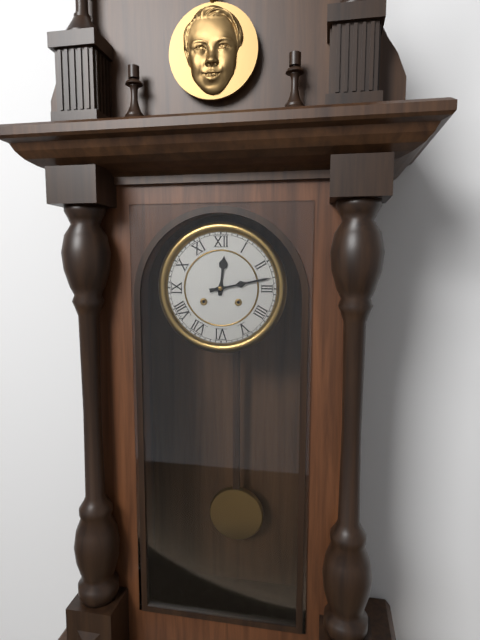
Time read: 12:13
